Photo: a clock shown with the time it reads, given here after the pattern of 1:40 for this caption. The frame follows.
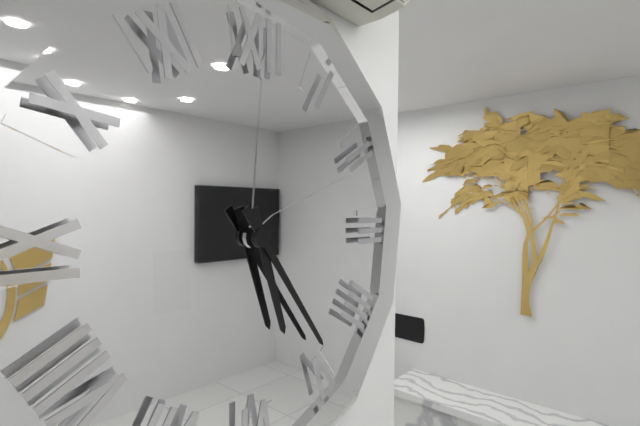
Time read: 5:24
